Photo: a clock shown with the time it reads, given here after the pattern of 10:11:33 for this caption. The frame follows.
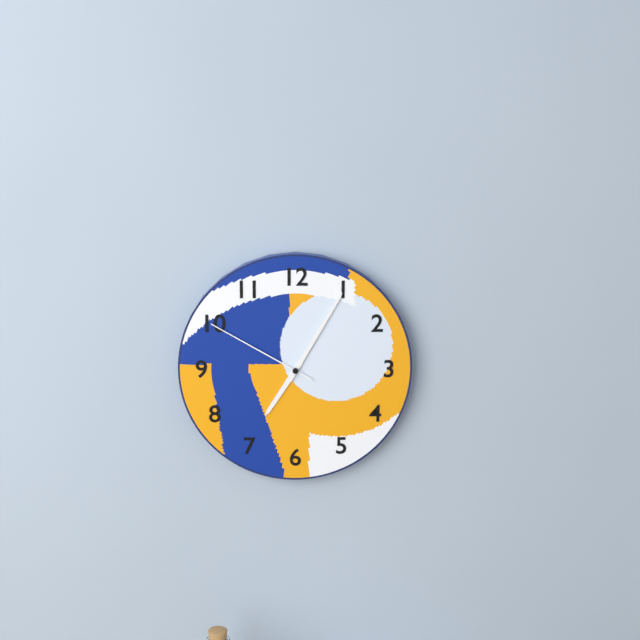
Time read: 7:05:50
